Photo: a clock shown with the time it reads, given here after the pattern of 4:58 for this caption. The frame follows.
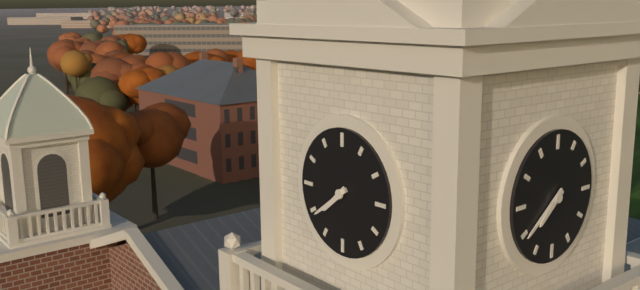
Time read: 7:39
